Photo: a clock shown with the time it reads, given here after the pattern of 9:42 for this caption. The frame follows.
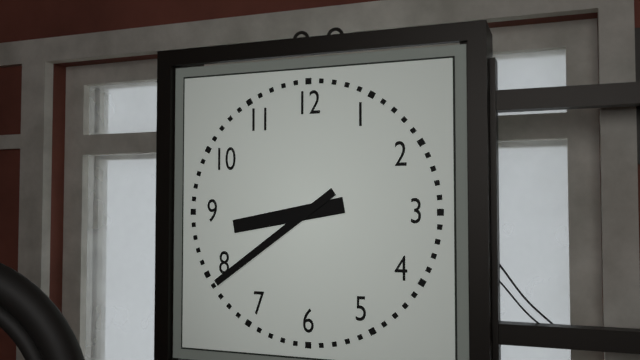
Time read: 8:39
